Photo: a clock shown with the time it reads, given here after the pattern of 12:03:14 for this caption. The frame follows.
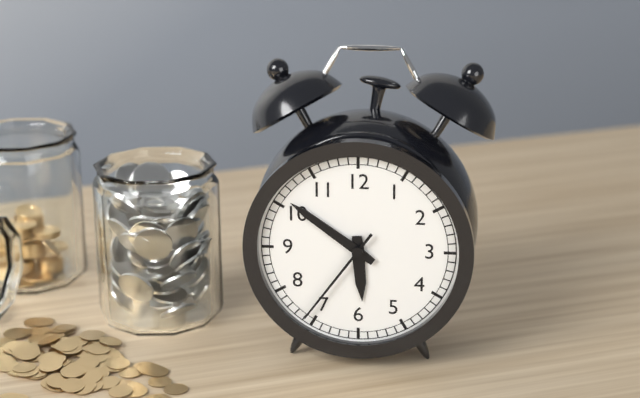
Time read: 5:51:36
